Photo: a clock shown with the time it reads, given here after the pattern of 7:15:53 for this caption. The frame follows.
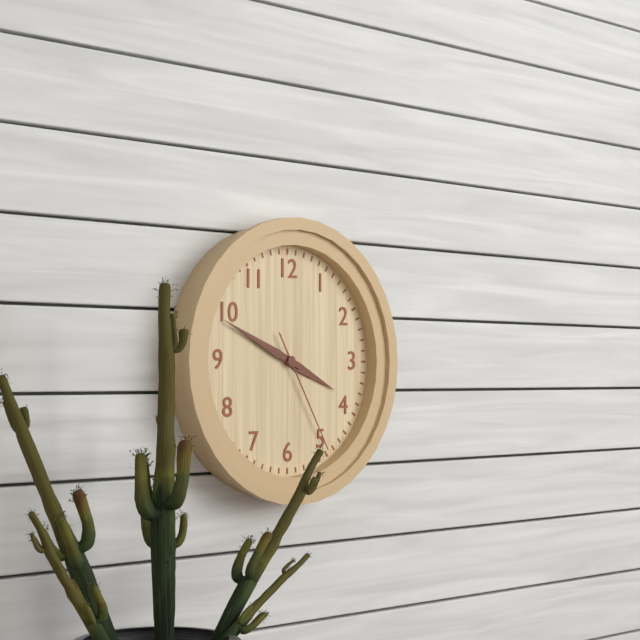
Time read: 3:49:25
